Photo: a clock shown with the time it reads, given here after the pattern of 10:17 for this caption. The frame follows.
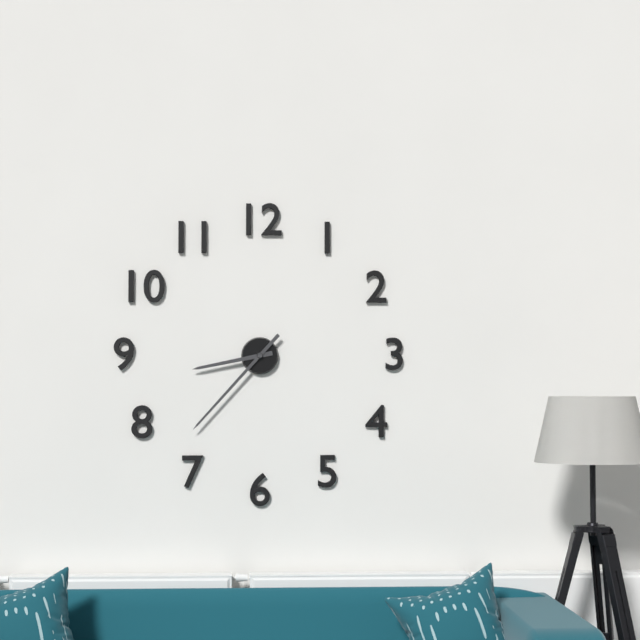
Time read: 8:37
